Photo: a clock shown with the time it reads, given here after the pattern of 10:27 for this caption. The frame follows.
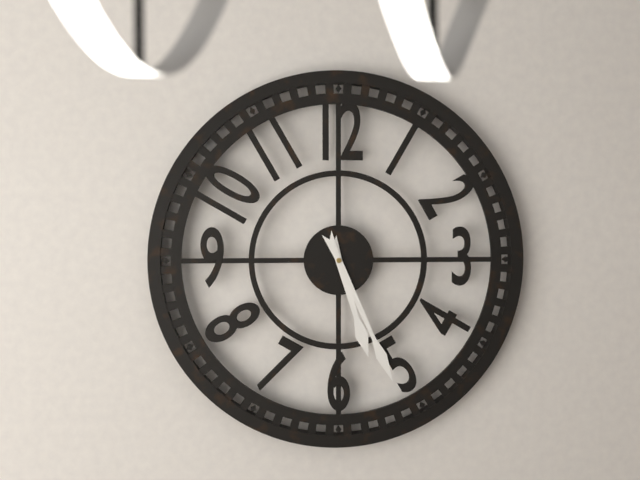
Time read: 5:26
